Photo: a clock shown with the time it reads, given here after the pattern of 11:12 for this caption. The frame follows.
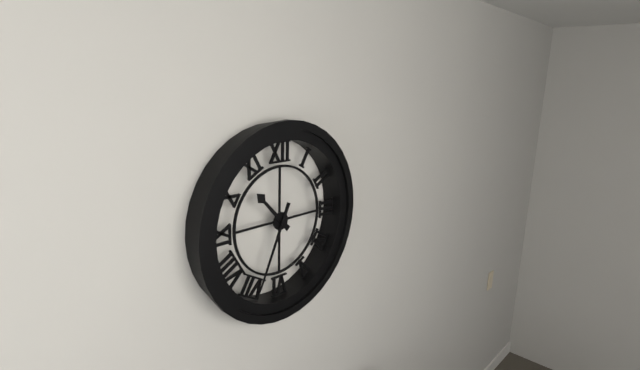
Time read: 10:34
